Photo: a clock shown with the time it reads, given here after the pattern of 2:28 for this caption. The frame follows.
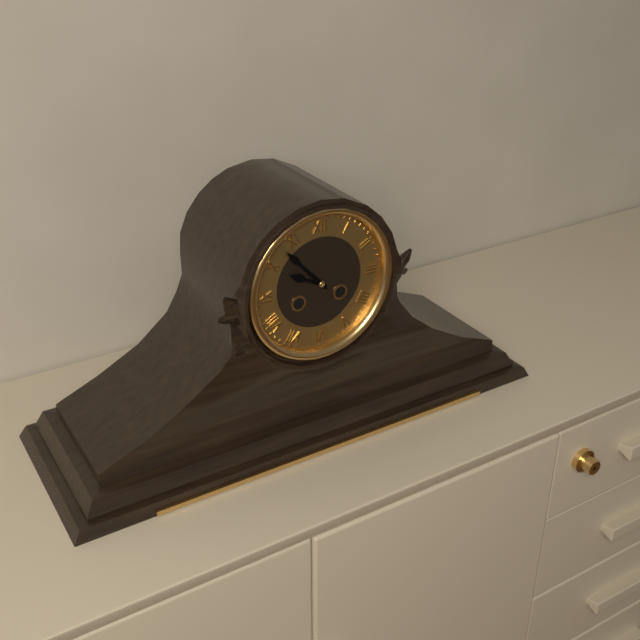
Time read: 9:53
